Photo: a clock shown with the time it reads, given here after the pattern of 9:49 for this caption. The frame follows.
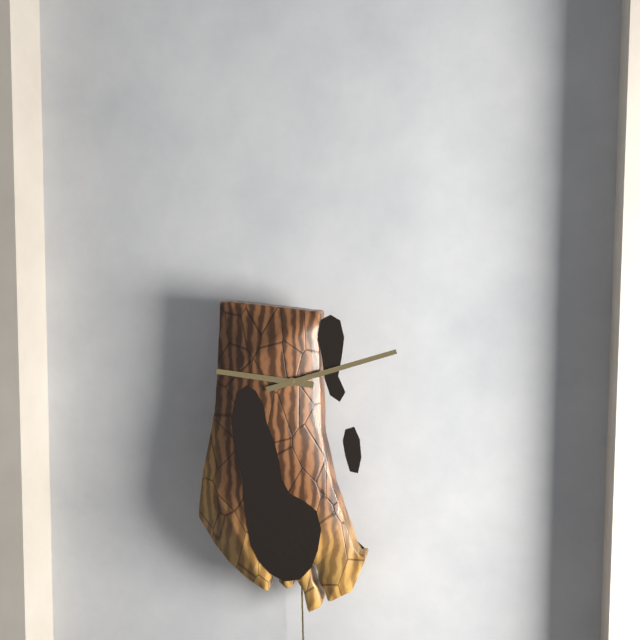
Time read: 9:12
